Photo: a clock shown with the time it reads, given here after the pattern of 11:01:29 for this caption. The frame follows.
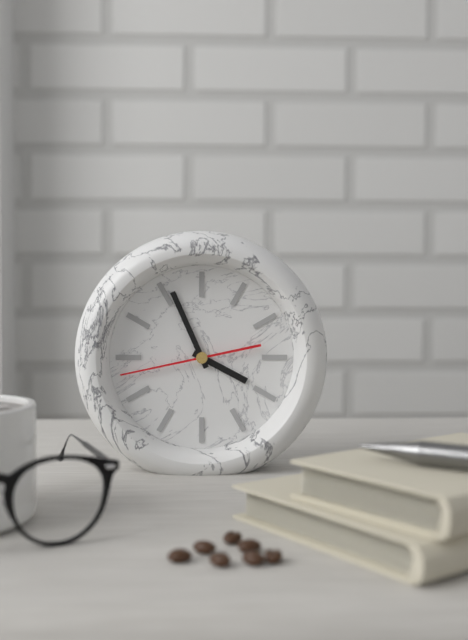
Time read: 3:56:43
